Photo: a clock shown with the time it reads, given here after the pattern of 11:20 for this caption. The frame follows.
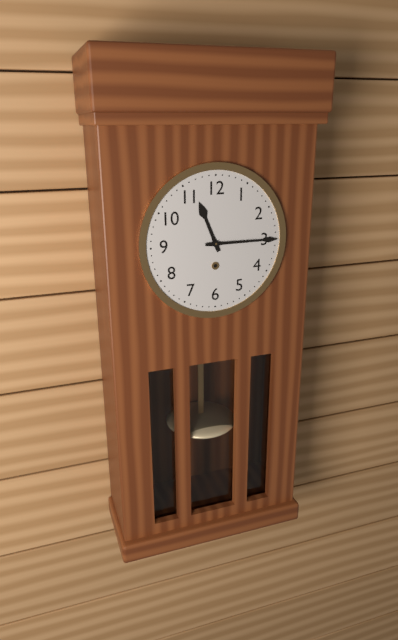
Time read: 11:15
